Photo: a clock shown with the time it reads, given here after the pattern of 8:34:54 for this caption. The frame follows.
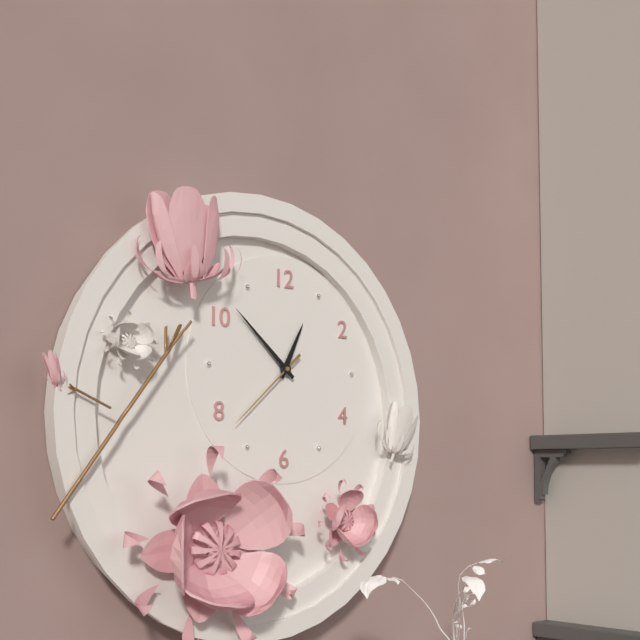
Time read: 12:52:38
